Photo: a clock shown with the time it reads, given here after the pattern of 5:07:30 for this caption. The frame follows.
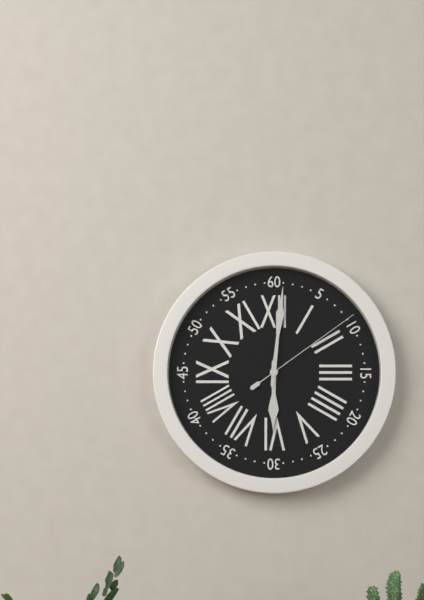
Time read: 6:01:09
